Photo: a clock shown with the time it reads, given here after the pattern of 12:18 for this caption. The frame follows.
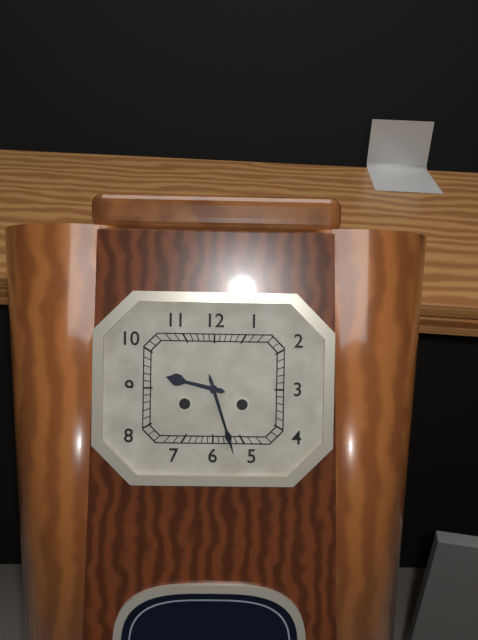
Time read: 9:27
